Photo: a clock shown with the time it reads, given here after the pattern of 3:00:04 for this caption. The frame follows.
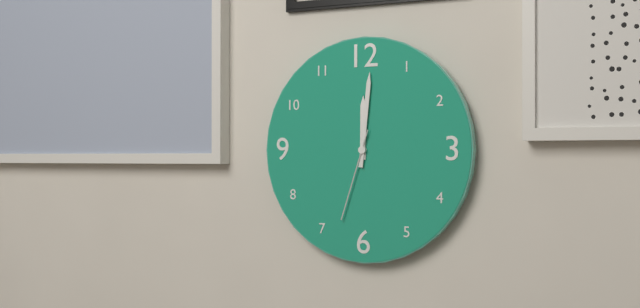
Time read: 12:01:33
